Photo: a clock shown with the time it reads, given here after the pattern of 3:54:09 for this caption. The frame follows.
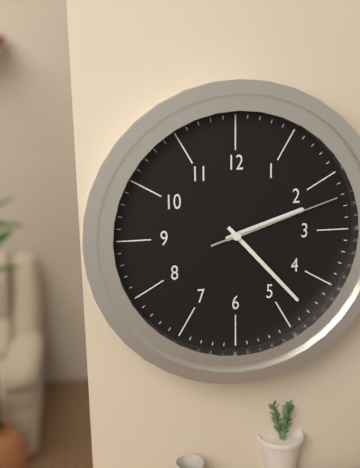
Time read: 2:23:12
